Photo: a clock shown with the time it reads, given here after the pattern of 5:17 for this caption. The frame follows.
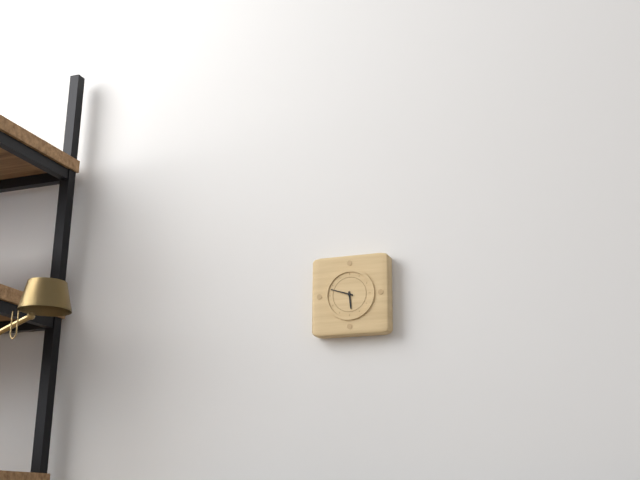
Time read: 5:48
